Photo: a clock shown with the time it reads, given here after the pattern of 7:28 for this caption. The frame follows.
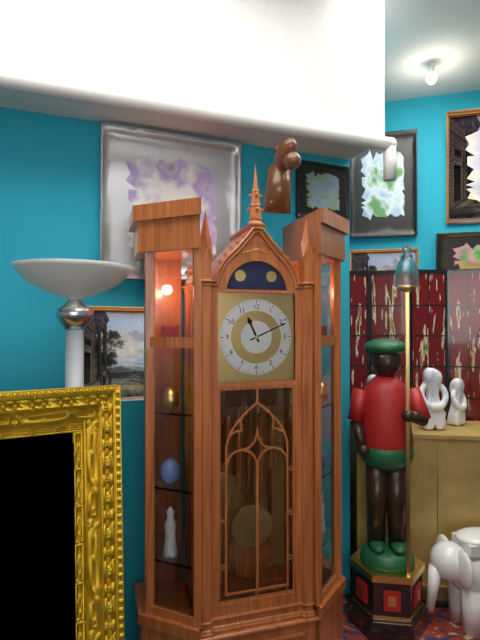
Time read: 11:11
